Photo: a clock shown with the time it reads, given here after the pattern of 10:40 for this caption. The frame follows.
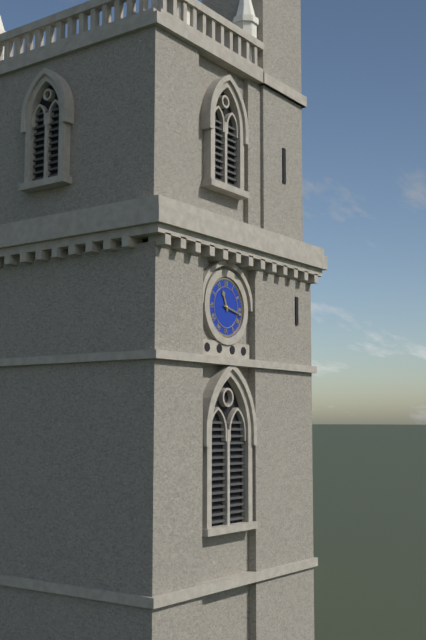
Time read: 11:17
